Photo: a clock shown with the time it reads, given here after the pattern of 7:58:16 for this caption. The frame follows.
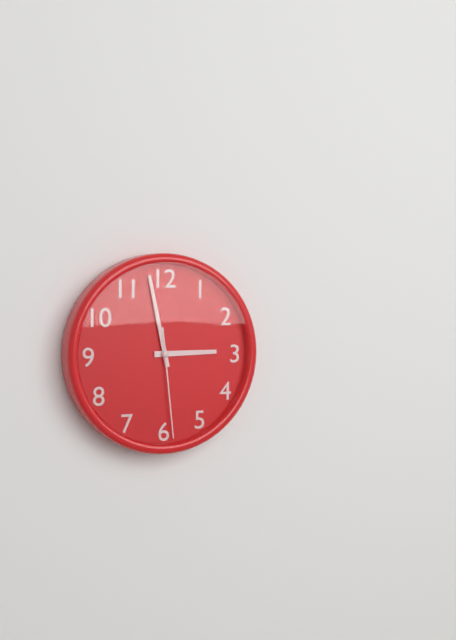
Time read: 2:58:29
